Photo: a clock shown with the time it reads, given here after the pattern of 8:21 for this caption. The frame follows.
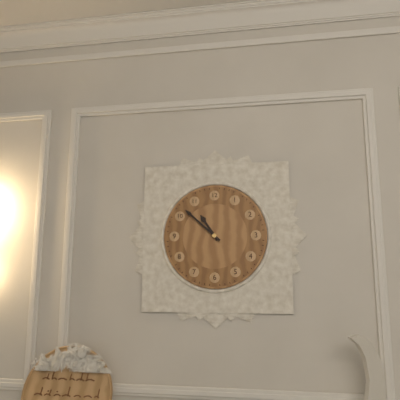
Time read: 10:52
